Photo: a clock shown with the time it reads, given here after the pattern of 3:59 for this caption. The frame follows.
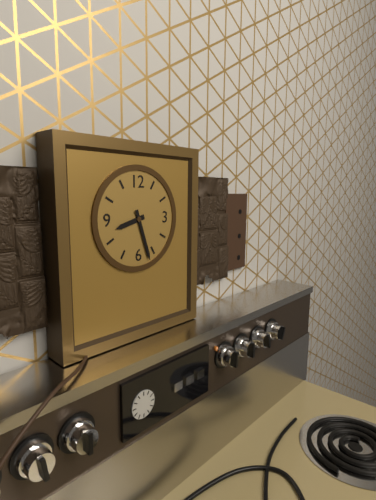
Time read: 8:27
